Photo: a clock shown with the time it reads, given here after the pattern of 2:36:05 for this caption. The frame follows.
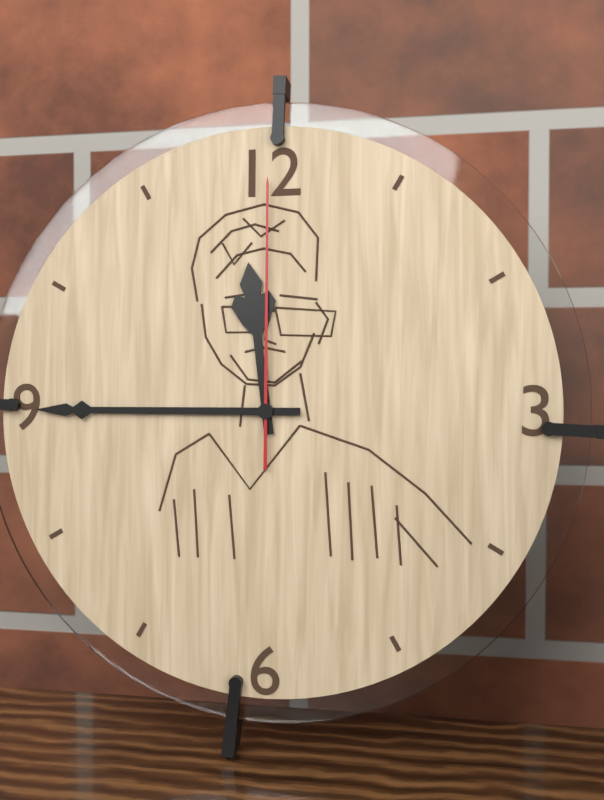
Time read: 11:45:00
